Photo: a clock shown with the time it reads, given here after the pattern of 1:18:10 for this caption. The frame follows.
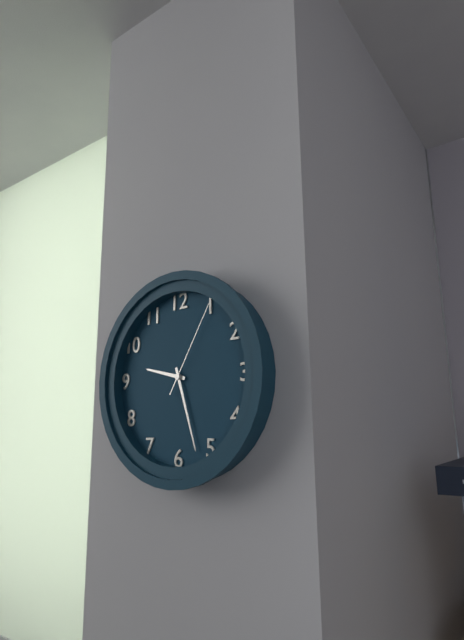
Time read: 9:27:05
